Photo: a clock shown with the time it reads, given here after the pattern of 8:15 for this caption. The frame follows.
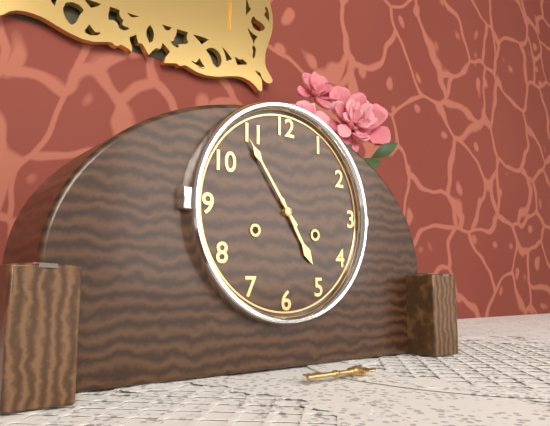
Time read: 4:54
